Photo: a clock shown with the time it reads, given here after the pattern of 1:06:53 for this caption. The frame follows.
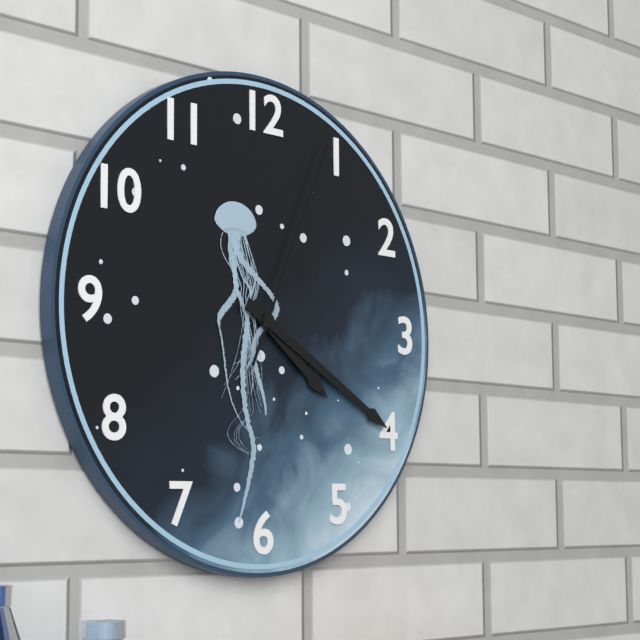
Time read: 4:20:04
